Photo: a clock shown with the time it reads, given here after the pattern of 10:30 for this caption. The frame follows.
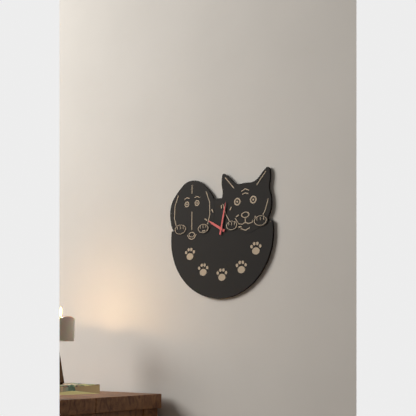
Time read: 10:02
